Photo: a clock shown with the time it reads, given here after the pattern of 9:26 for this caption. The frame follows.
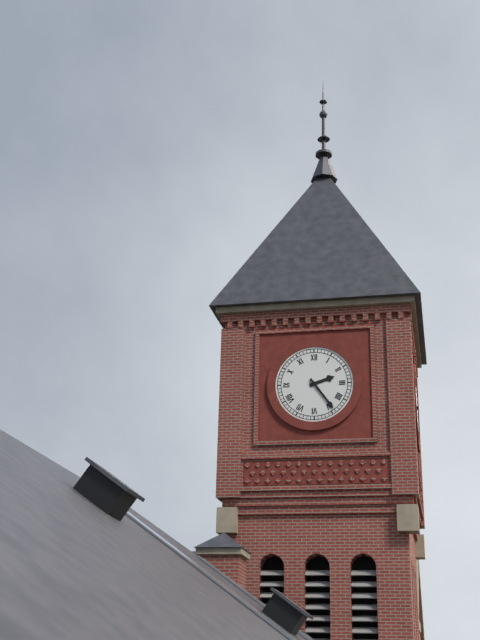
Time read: 2:24
